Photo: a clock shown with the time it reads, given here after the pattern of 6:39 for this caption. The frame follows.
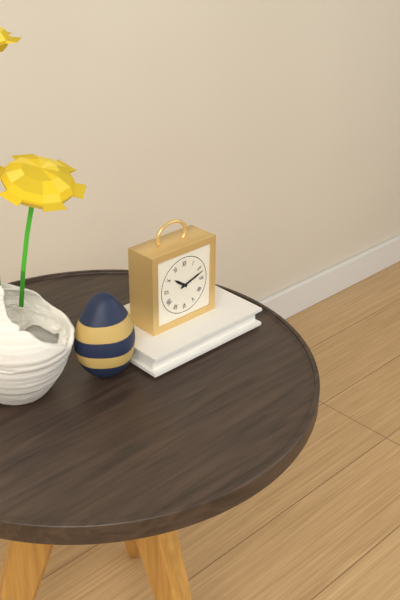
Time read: 10:12
